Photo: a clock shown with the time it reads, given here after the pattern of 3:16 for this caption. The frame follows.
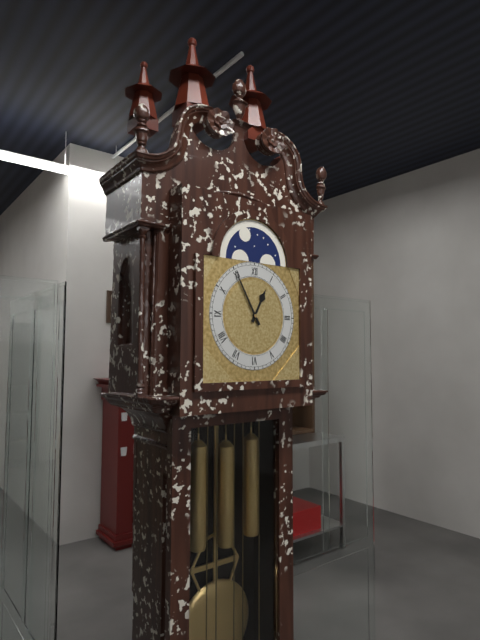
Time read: 12:55
